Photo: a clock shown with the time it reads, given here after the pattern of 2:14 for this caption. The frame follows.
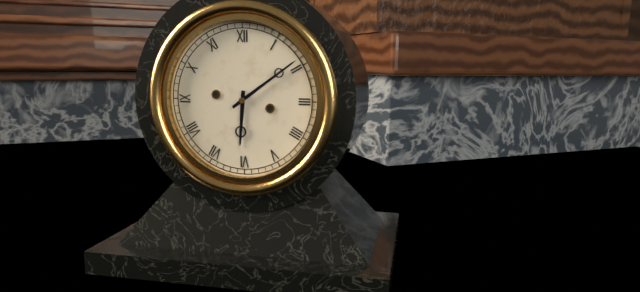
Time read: 6:09
